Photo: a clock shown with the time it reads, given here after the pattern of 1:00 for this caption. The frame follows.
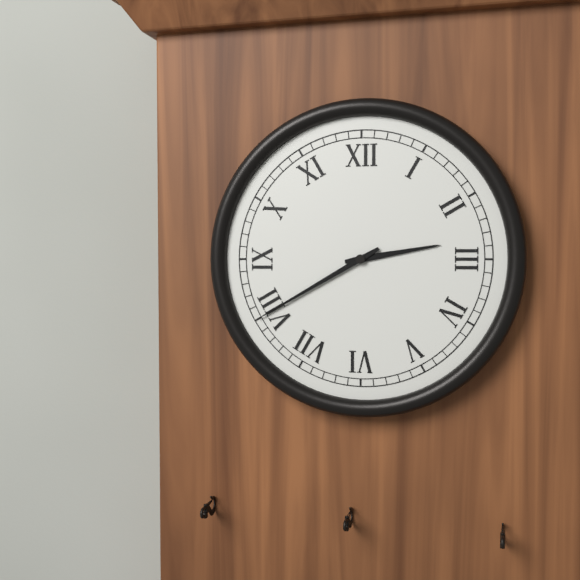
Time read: 2:40
